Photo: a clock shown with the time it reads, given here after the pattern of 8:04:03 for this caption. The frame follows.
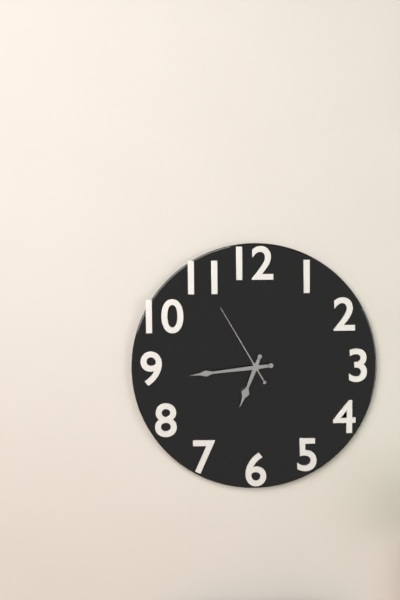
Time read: 6:44:55
